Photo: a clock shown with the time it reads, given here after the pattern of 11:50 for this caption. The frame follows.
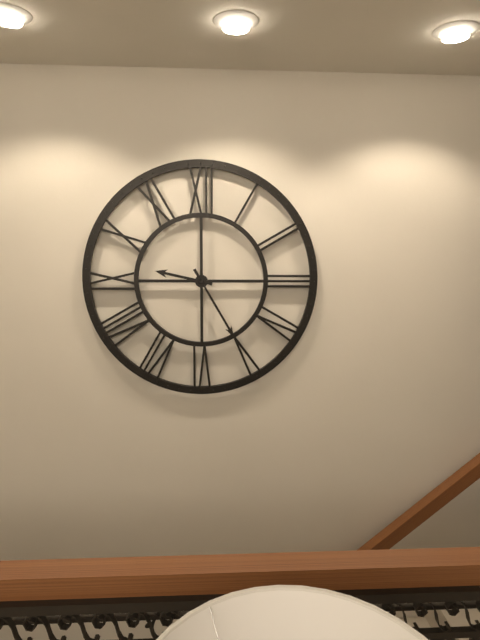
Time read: 9:25
